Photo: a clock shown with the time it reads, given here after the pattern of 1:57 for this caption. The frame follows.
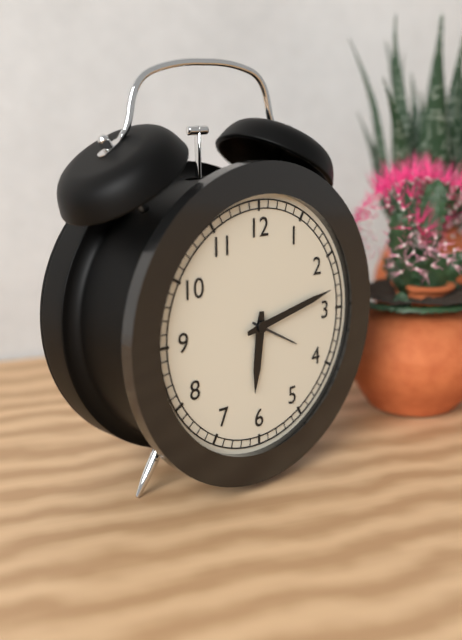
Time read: 6:13
